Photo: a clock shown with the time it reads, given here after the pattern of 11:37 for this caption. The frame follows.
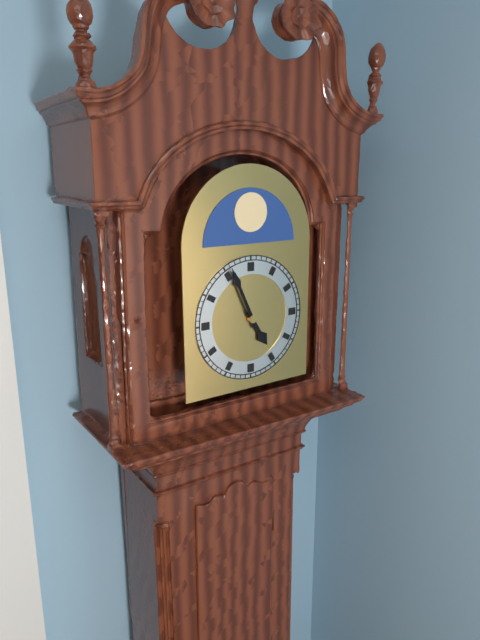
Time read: 4:56
